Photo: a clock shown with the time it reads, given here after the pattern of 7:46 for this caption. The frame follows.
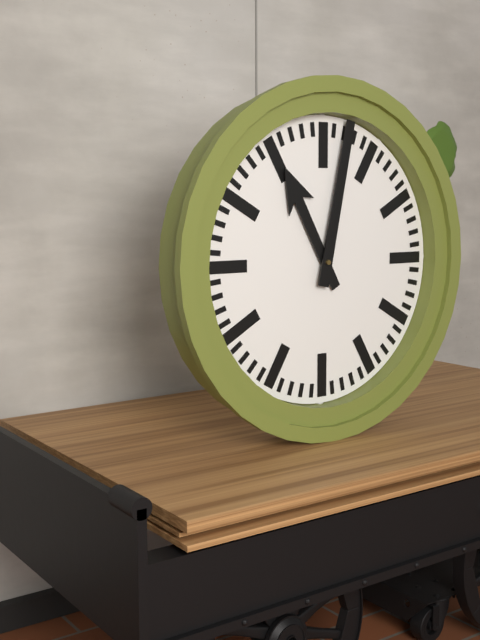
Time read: 11:02
